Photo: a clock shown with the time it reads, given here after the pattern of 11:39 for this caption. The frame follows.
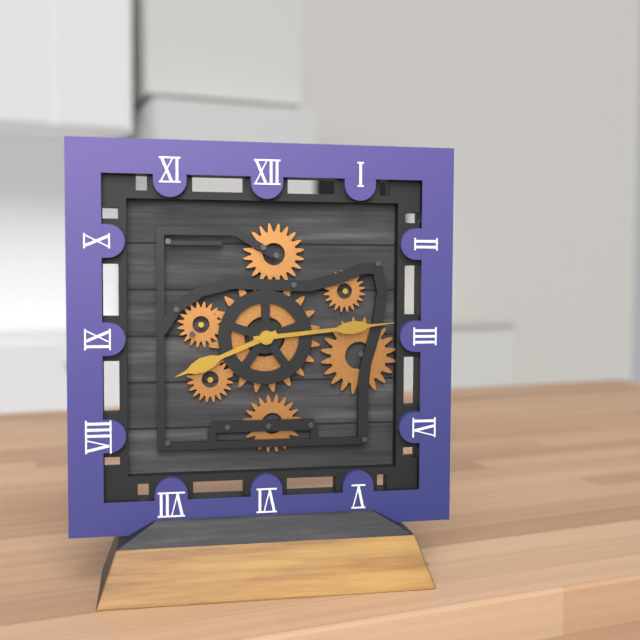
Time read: 8:14
